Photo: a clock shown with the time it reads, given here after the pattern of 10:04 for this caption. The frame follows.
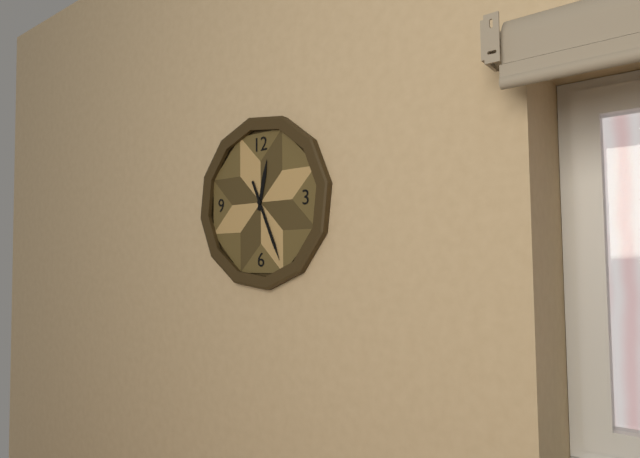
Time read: 12:26
